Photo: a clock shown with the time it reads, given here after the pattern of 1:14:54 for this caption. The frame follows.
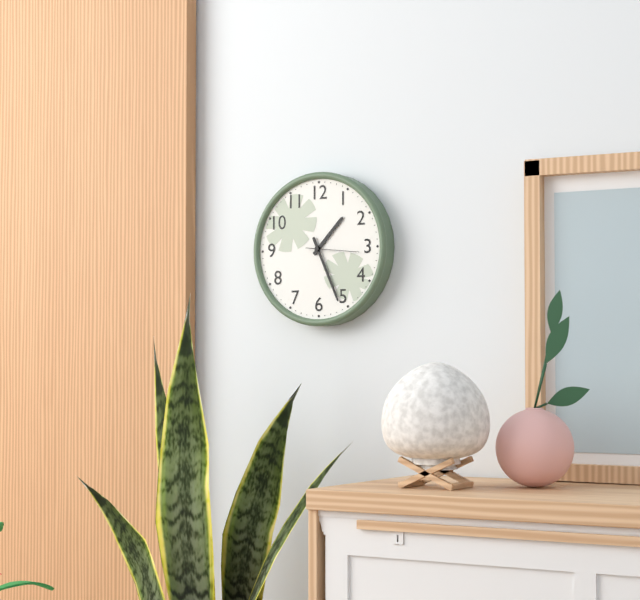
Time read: 1:26:16
